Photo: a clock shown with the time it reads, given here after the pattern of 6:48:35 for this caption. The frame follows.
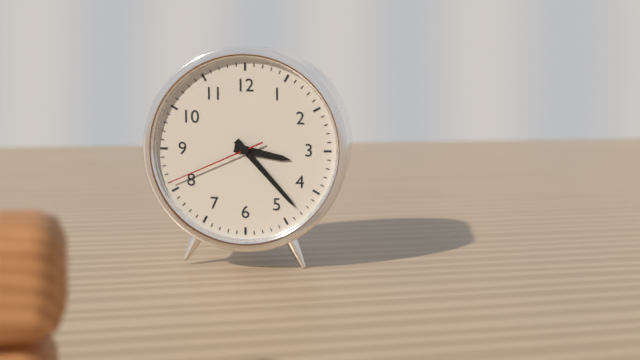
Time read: 3:23:41
